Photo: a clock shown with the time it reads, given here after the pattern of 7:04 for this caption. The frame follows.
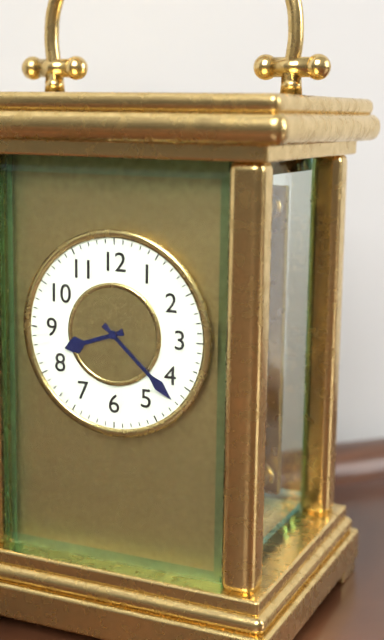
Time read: 8:22
